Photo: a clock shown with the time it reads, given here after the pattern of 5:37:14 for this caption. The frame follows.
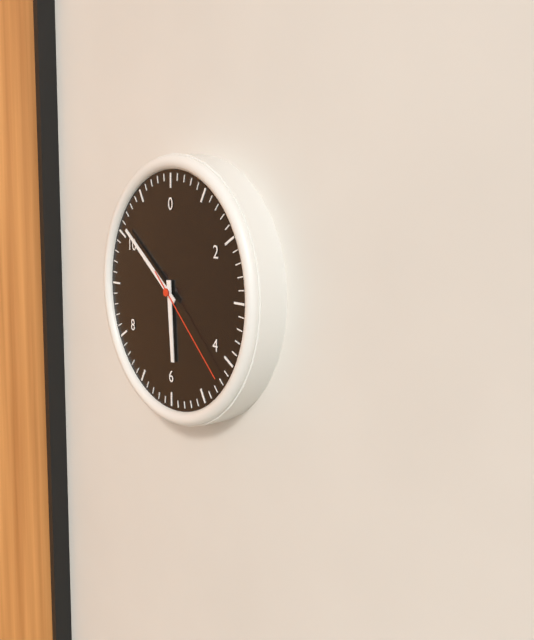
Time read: 5:51:22
